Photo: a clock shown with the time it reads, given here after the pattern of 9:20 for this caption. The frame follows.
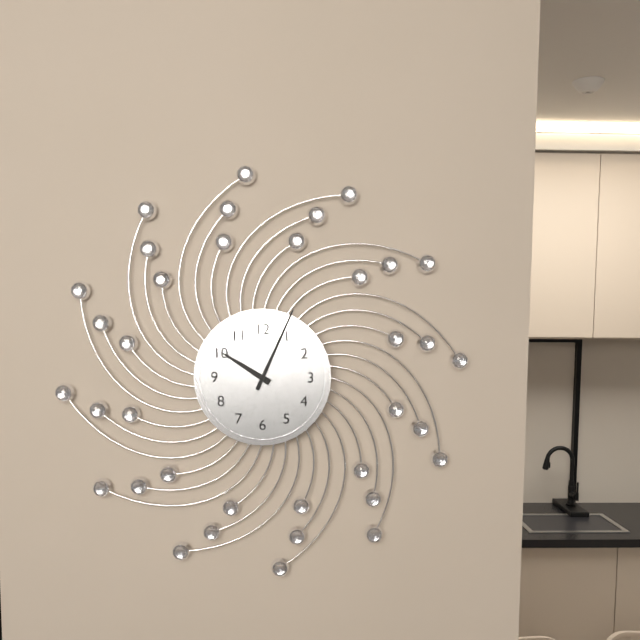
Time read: 10:04
